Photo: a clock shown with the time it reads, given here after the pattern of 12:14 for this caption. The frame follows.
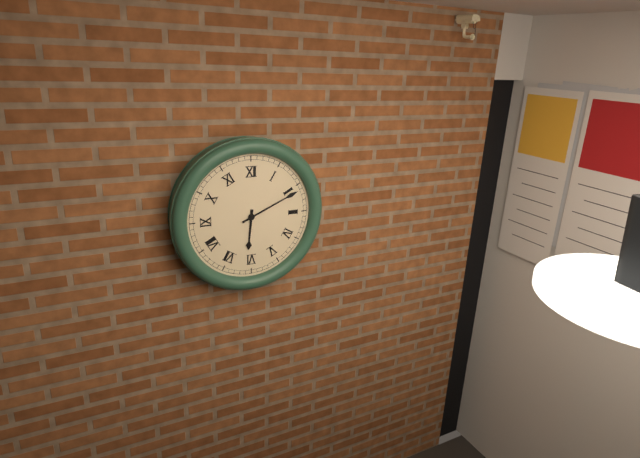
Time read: 6:11
